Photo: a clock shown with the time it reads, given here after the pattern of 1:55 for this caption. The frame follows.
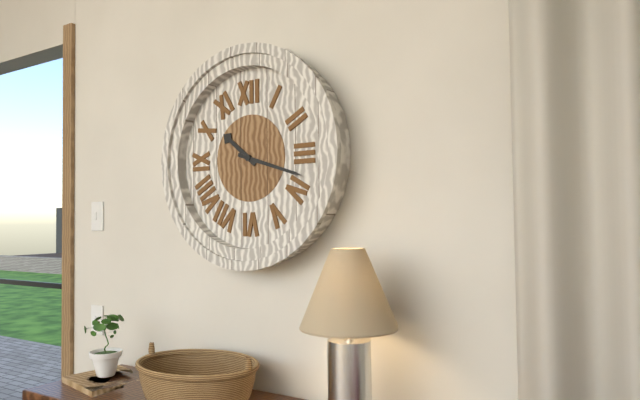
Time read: 10:18
